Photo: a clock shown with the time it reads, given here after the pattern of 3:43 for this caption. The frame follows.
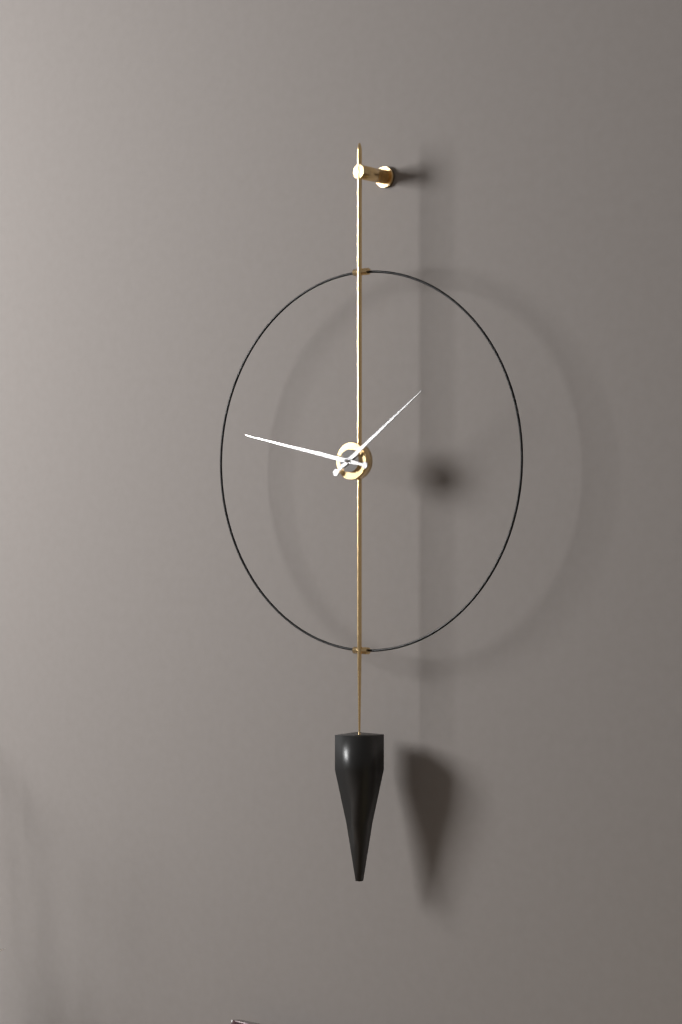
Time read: 1:47
